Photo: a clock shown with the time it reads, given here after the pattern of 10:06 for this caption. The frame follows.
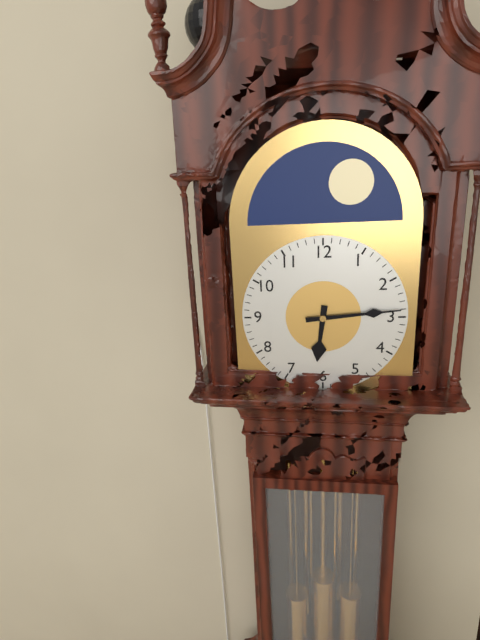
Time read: 6:14
